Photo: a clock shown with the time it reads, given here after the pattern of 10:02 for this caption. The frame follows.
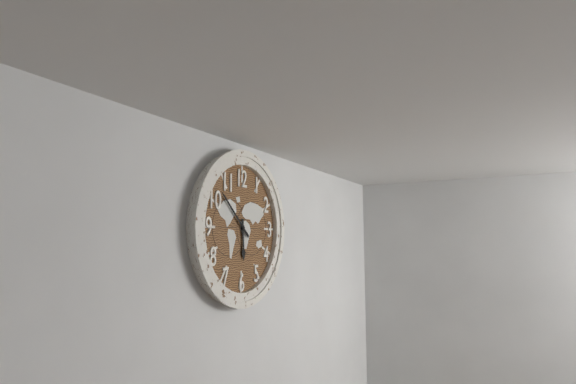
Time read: 5:52
